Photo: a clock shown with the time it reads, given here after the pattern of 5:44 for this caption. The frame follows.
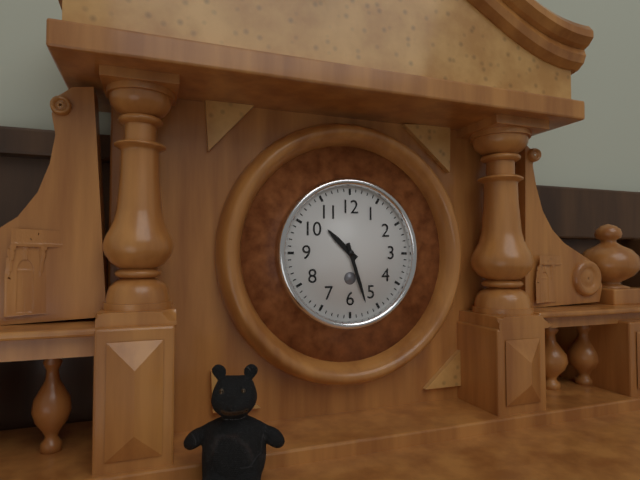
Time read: 10:27
